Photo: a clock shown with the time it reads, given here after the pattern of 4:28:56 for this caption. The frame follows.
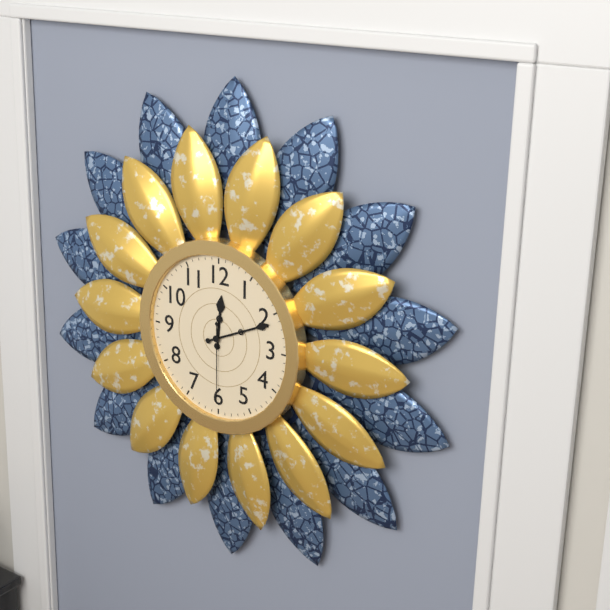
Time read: 12:11:30
